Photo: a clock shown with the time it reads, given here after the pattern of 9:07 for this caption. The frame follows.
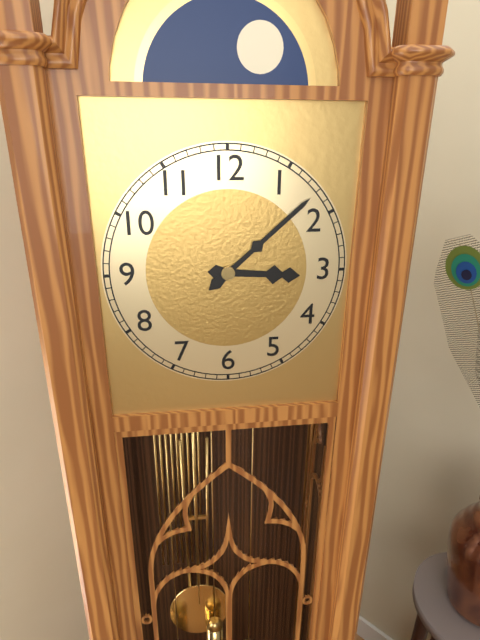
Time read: 3:08
